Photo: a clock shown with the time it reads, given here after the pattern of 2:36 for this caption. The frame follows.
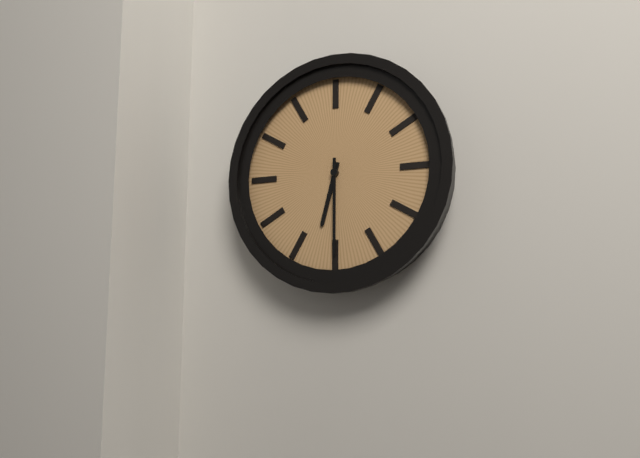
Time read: 6:30
